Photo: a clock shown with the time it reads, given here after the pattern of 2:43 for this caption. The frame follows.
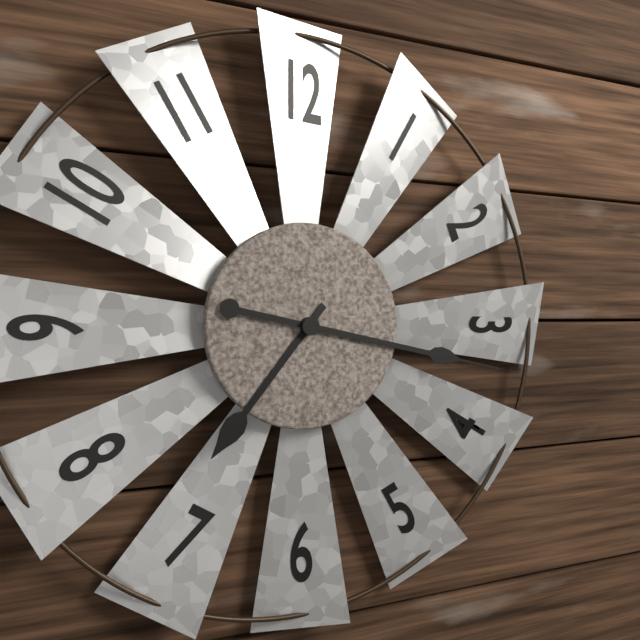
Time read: 7:17
